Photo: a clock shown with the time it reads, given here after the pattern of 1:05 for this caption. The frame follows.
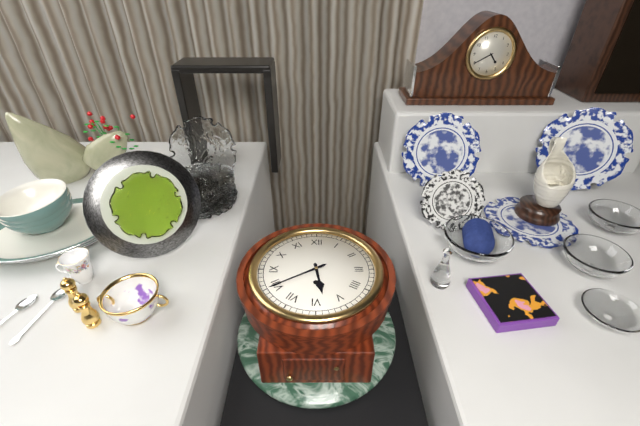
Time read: 5:40
